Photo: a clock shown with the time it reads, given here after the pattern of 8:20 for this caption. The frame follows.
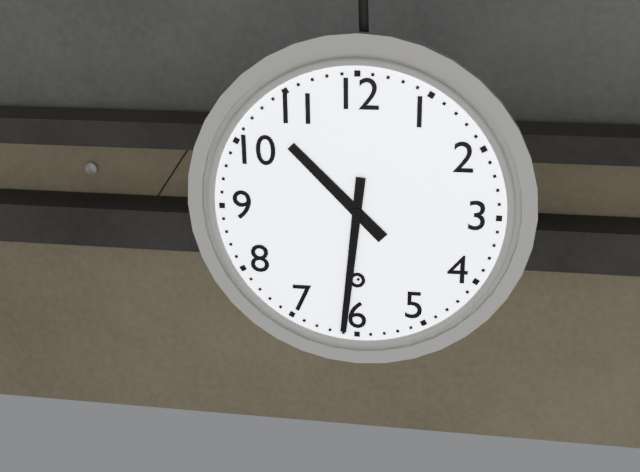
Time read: 10:31
